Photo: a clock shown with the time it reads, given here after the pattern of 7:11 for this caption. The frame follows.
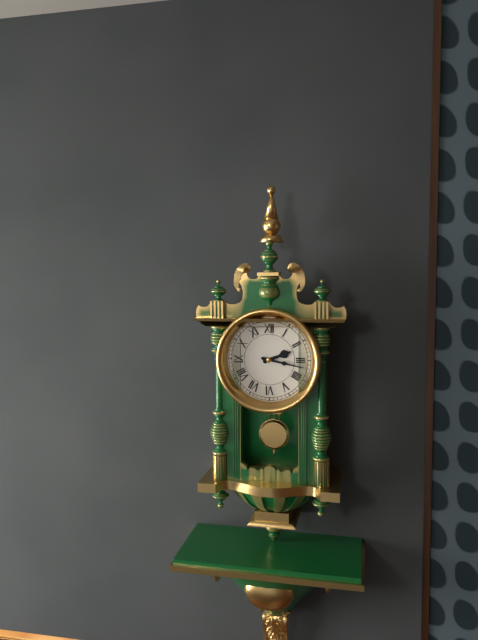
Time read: 2:17
